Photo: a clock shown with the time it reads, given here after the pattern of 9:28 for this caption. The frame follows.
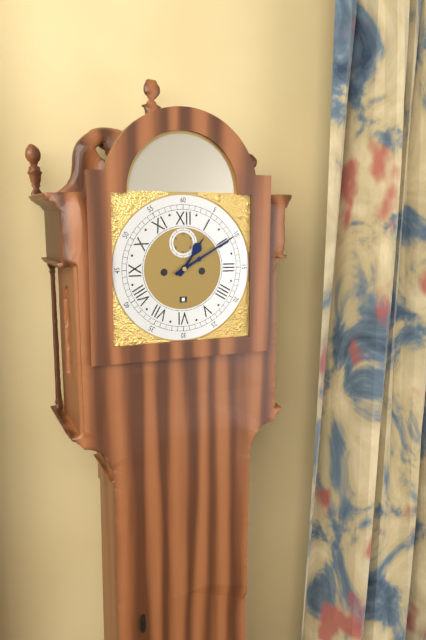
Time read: 1:10
